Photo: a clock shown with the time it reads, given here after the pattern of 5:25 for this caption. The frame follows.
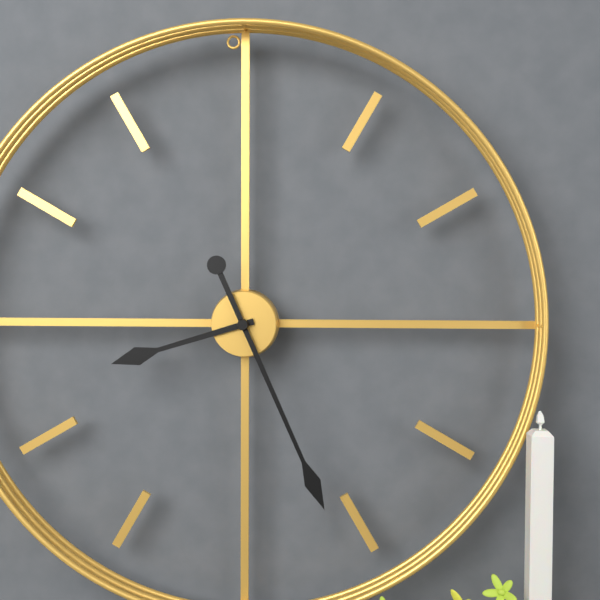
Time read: 8:26
